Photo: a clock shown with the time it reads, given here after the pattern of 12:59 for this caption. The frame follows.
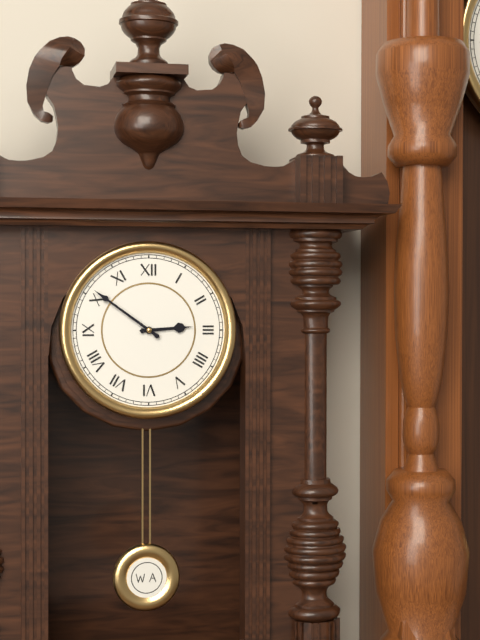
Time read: 2:51
